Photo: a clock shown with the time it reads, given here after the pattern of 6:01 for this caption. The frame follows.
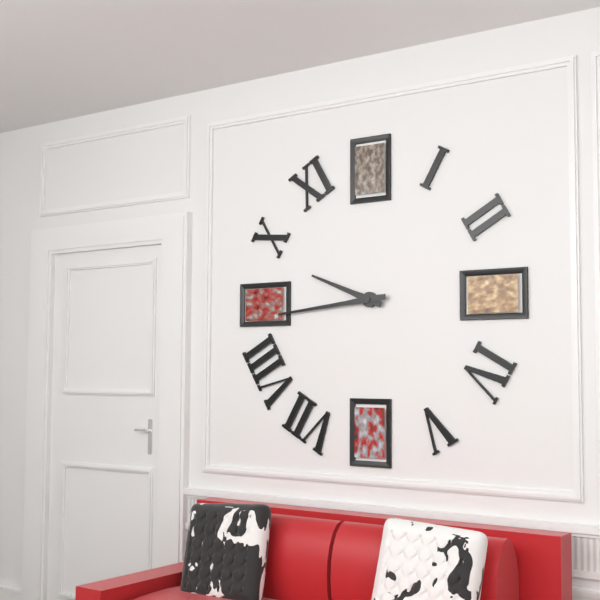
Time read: 9:44
